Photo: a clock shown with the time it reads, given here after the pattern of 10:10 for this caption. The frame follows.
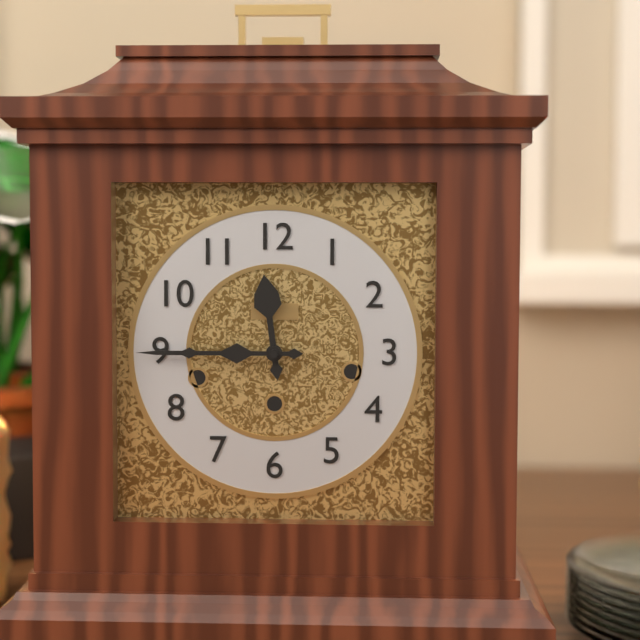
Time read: 11:45
